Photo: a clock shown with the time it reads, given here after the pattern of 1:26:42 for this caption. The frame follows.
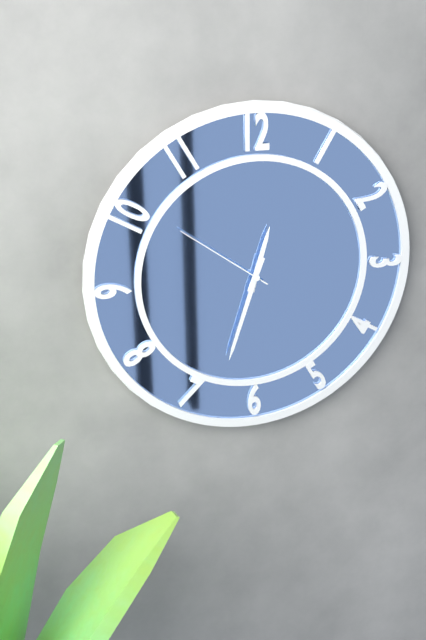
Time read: 12:33:51
